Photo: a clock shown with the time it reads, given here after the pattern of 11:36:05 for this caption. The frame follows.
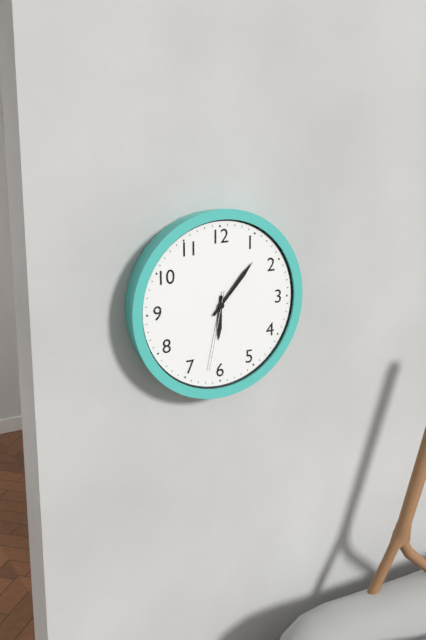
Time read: 6:07:32
